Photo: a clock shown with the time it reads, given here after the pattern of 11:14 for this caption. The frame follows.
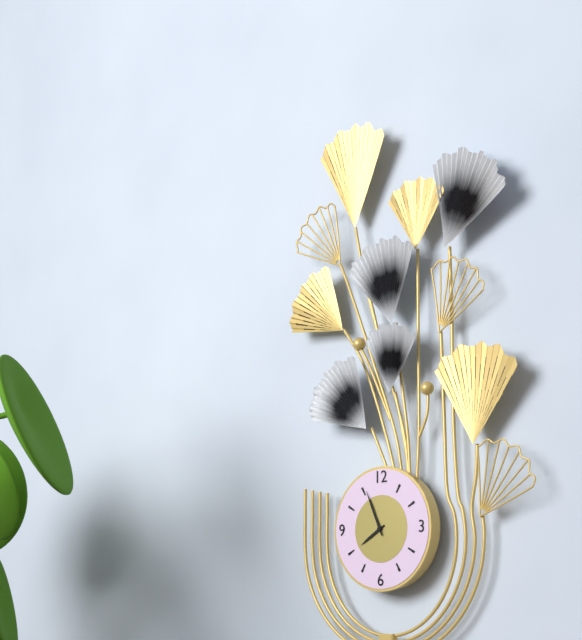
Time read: 7:56
